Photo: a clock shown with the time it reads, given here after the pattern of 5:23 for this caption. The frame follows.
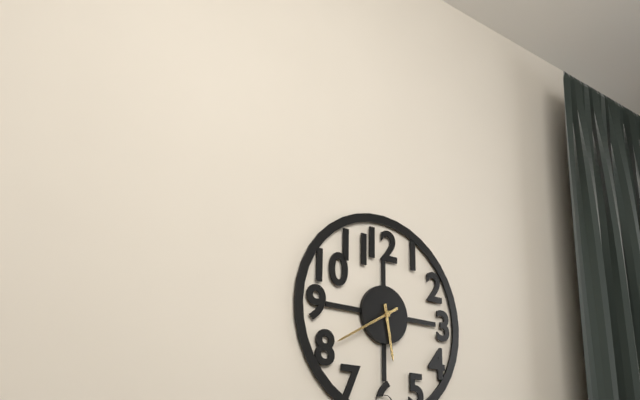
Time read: 5:40
